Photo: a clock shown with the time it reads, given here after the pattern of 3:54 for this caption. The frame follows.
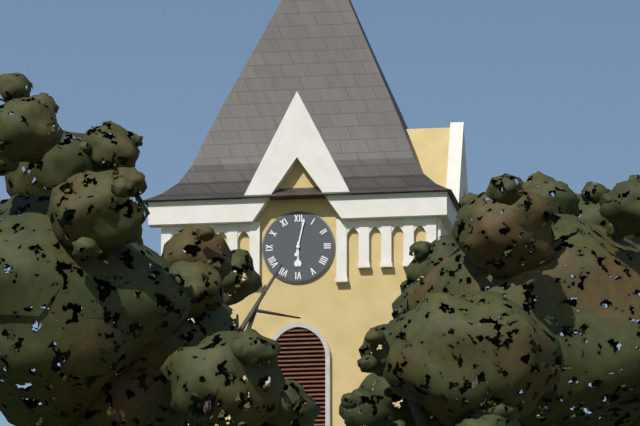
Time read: 6:02
